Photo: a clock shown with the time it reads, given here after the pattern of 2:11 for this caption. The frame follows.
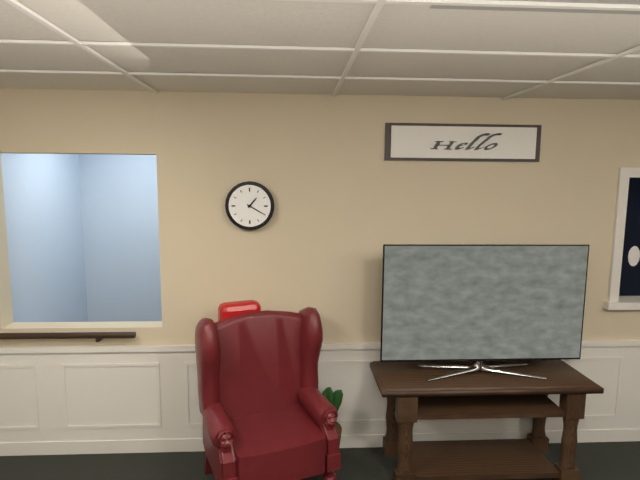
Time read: 1:20
